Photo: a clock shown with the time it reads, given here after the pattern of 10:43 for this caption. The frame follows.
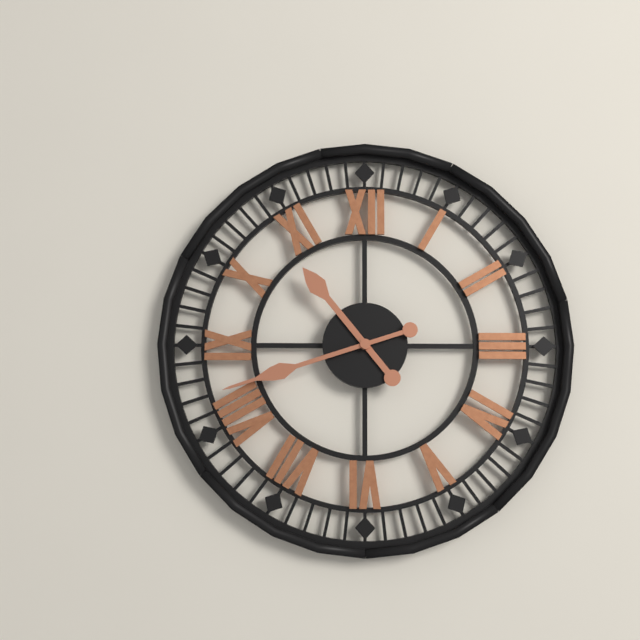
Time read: 10:42
